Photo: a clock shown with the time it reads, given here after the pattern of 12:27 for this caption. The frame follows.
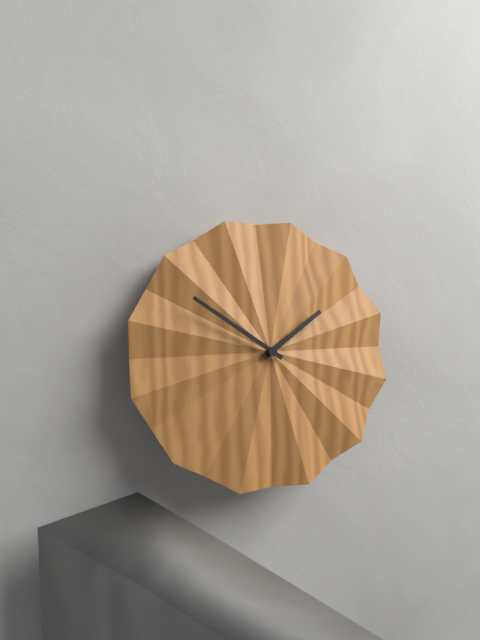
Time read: 1:51
